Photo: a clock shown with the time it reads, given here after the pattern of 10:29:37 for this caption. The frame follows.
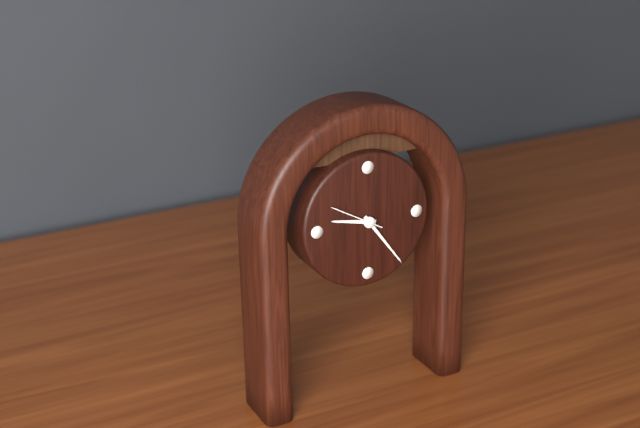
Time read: 9:24:50
